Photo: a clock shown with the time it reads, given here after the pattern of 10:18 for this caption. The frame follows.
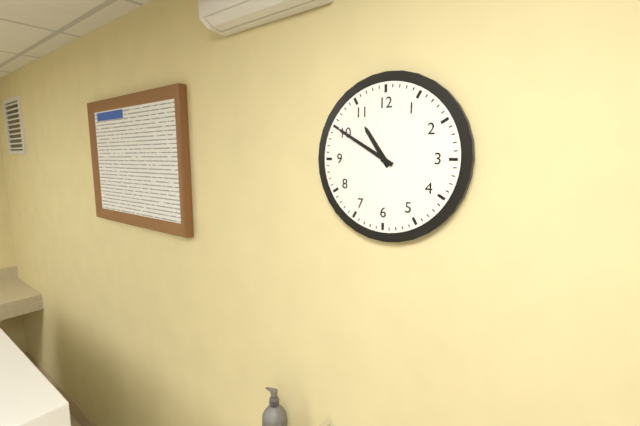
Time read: 10:50
